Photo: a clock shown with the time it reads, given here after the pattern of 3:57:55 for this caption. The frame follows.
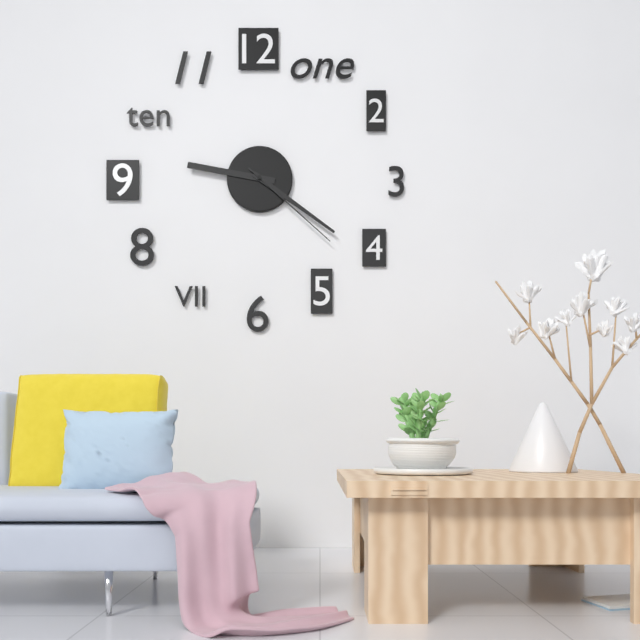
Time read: 9:21:22
